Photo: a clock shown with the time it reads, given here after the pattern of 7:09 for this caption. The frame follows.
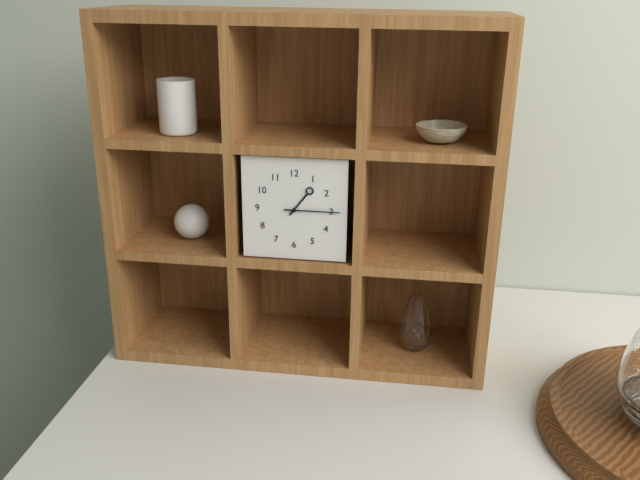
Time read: 1:15
